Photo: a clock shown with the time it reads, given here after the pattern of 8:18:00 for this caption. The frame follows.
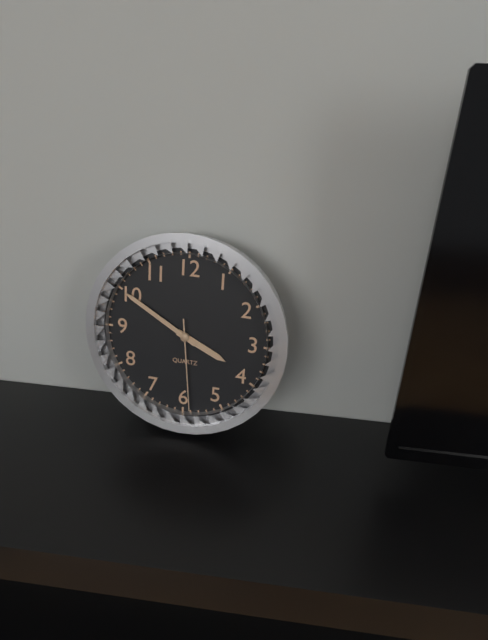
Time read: 3:50:29
